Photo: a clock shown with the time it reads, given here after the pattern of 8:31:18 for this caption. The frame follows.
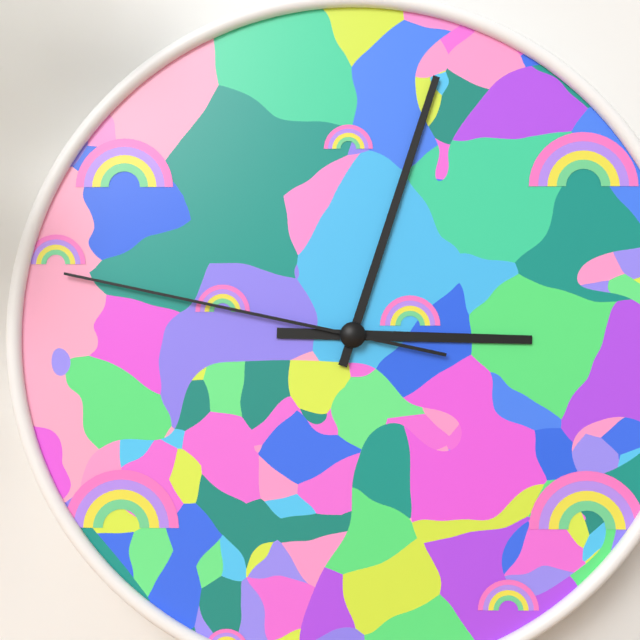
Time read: 3:03:47
